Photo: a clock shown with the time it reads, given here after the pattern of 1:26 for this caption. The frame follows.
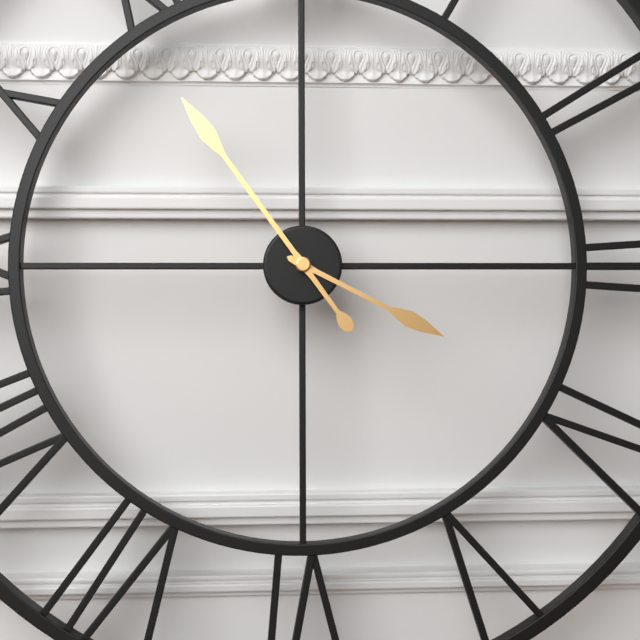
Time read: 3:54
